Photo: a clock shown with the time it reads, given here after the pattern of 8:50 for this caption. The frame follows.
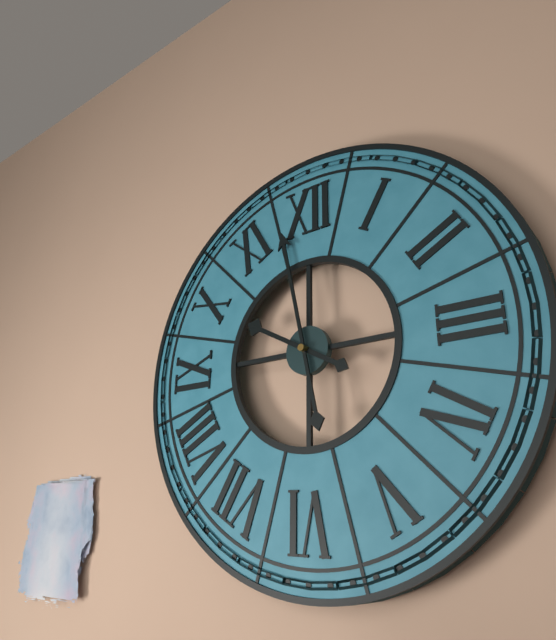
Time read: 9:58
